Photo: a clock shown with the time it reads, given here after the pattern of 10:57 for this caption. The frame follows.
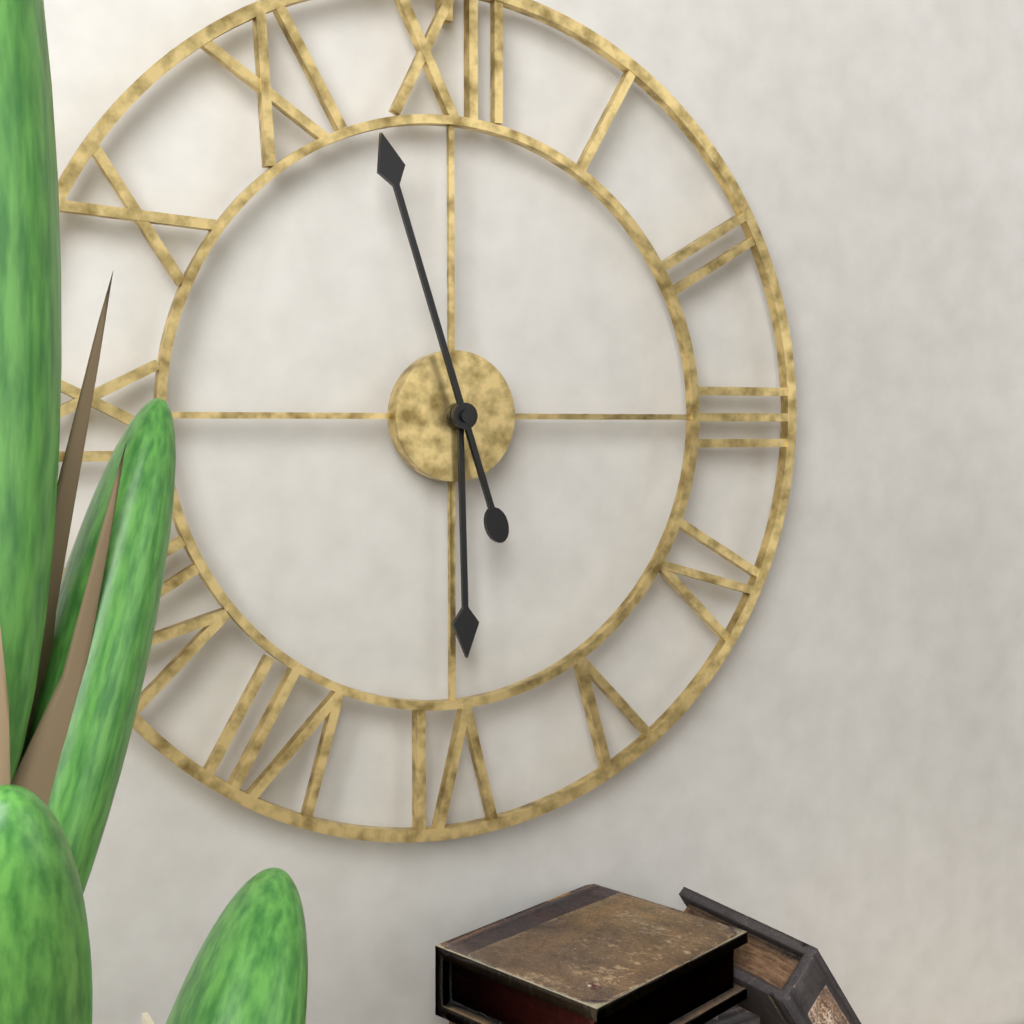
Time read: 5:57
